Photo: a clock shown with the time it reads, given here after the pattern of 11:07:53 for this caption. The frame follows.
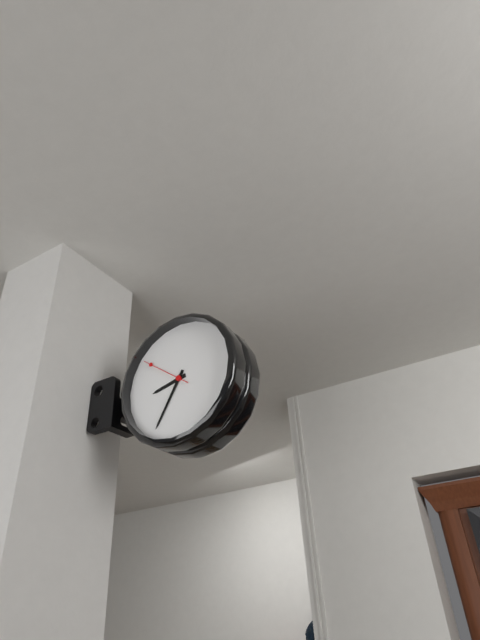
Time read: 8:35:51
